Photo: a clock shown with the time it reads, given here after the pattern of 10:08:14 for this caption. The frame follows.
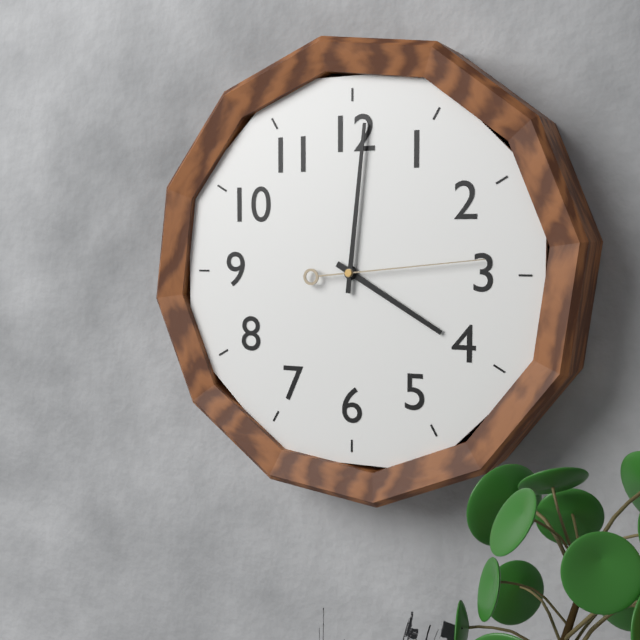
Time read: 4:01:14
